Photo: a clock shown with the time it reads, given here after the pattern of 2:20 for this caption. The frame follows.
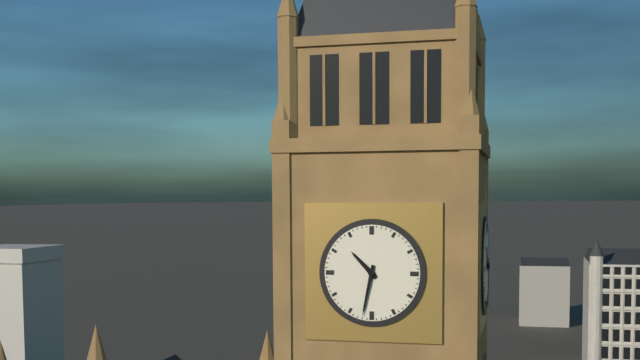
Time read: 10:32
